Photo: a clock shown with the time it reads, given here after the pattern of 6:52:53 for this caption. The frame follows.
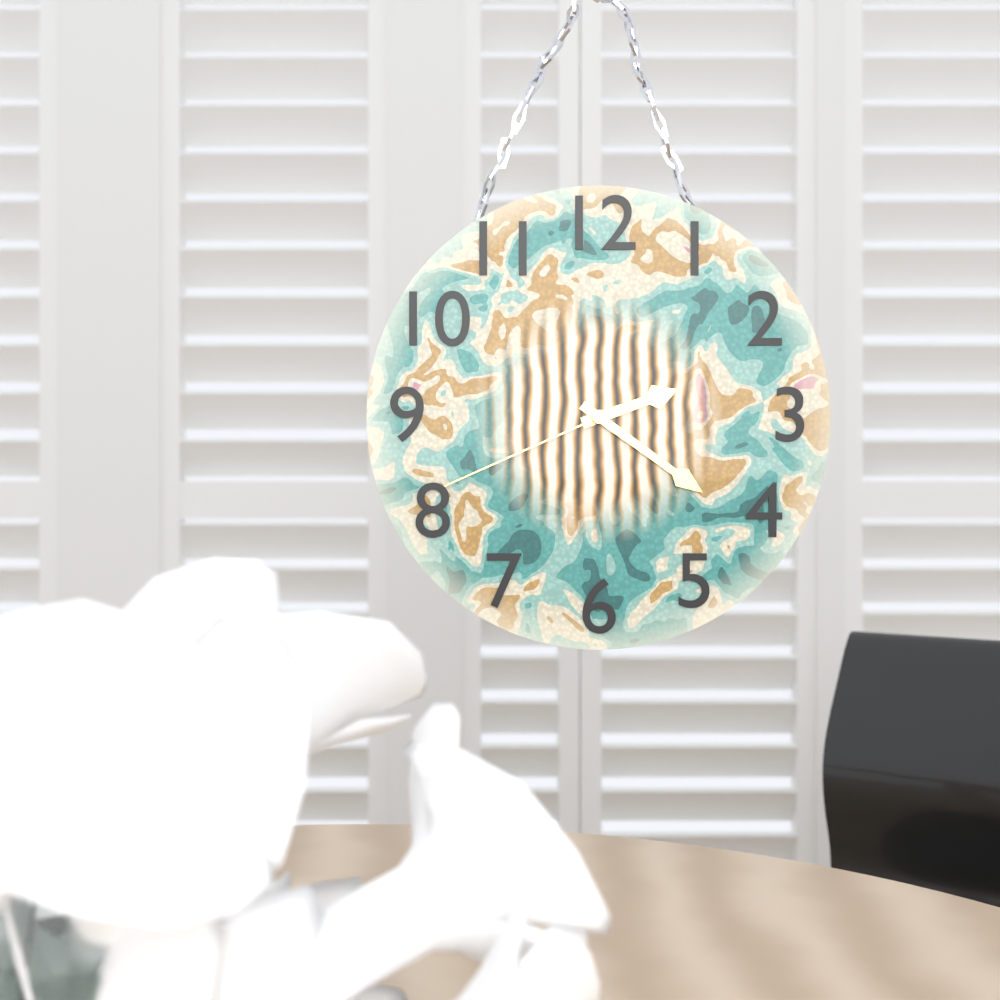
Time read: 2:21:41
